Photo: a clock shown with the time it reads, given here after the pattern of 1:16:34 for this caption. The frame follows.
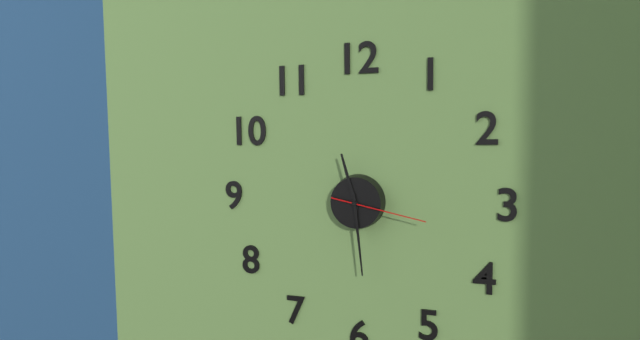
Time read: 11:29:17
